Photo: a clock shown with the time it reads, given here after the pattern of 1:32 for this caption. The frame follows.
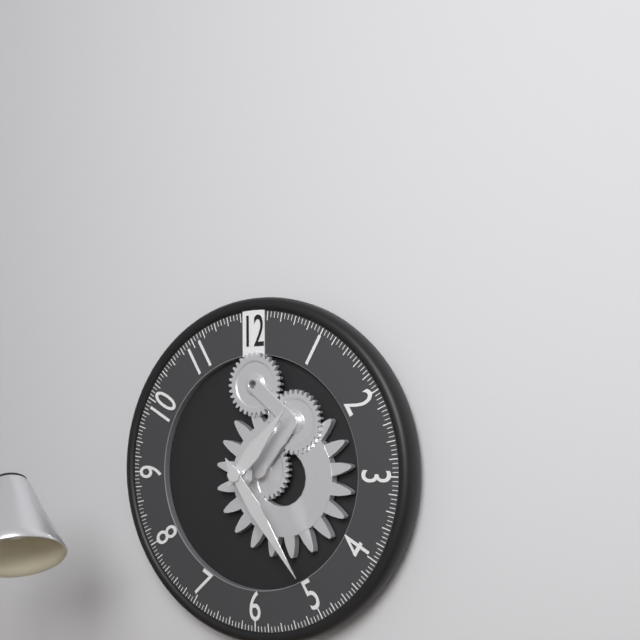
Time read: 1:24
